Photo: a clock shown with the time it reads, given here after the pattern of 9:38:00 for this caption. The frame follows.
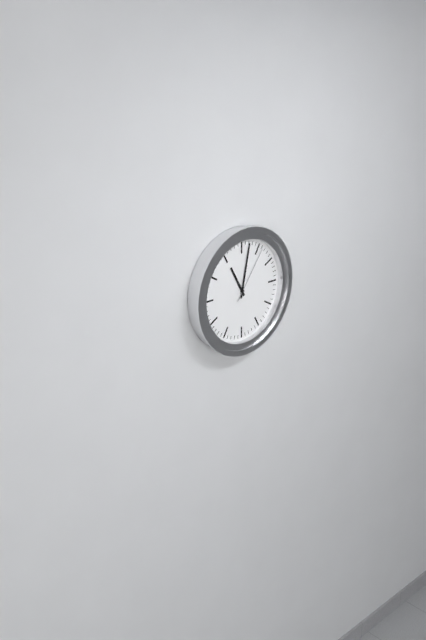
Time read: 11:02:06
